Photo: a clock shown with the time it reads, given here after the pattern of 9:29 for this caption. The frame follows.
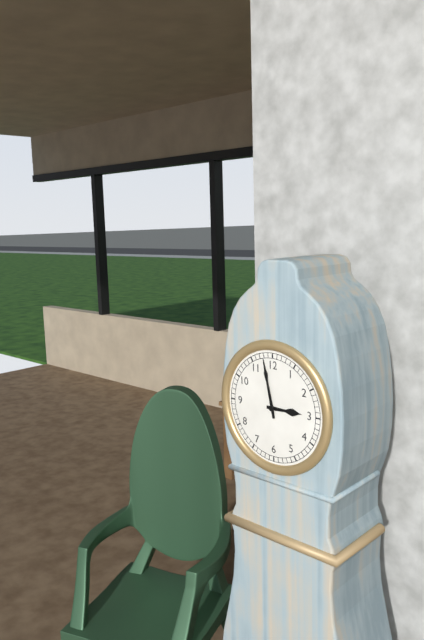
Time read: 2:58
